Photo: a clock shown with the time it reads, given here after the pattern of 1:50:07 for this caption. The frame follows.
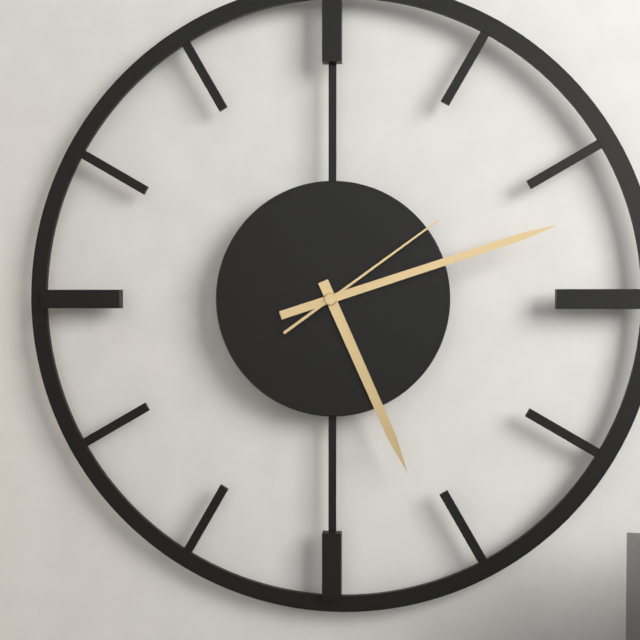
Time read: 5:12:09
